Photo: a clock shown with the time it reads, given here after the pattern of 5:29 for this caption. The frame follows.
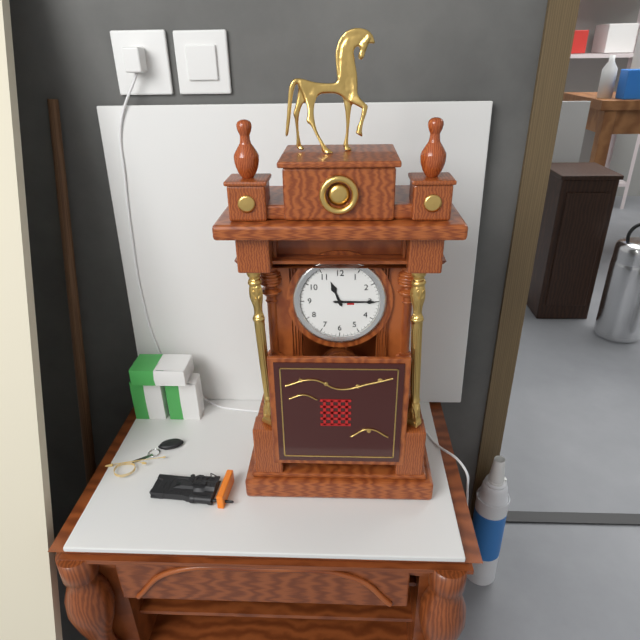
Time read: 11:15
